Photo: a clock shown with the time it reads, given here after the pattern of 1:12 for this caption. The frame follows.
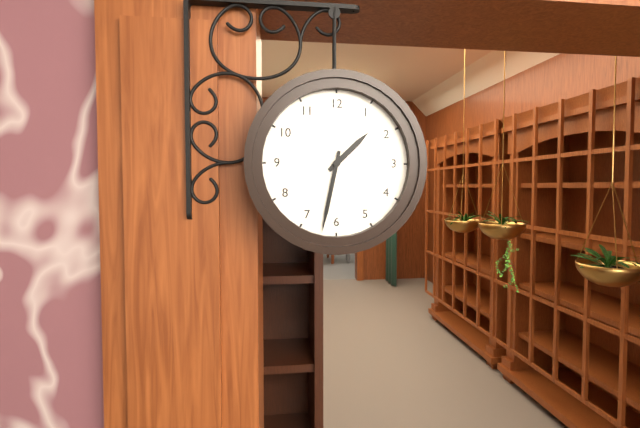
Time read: 1:32
